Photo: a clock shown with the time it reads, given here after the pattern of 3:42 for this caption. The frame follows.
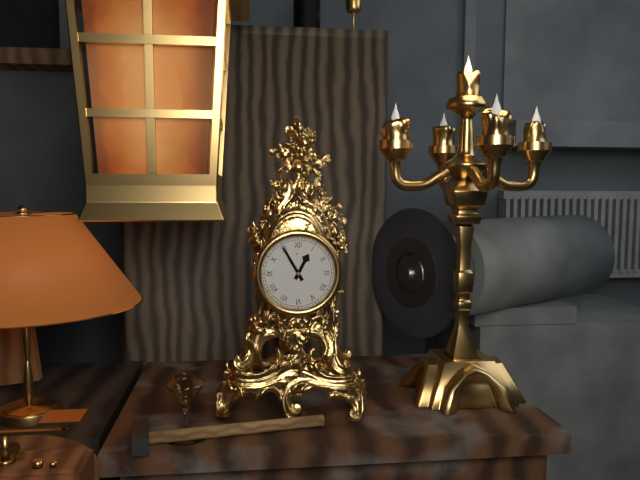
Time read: 12:55
